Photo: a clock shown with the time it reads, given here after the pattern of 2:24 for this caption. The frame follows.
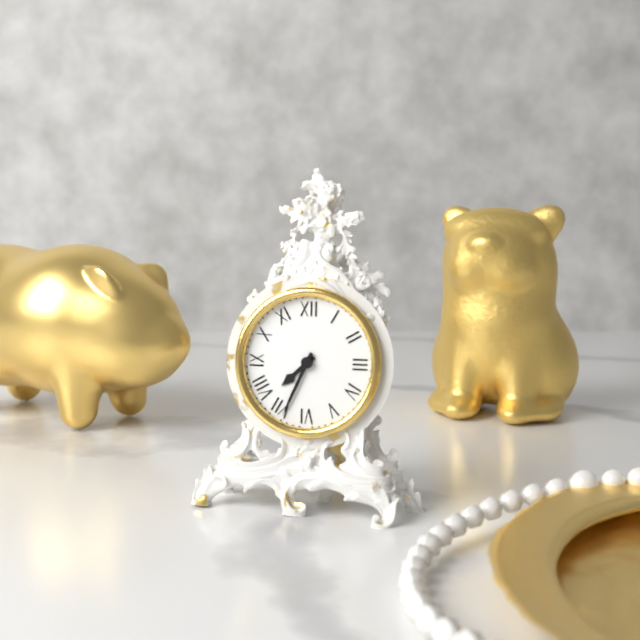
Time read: 7:34
